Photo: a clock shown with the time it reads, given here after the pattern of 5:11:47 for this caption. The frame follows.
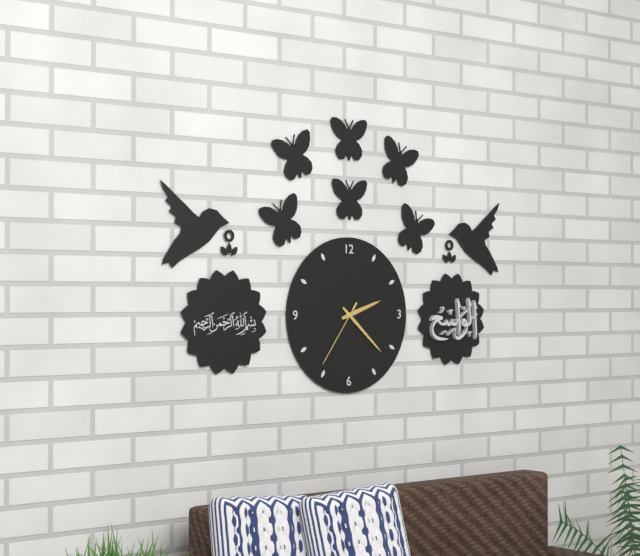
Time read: 2:22:36
